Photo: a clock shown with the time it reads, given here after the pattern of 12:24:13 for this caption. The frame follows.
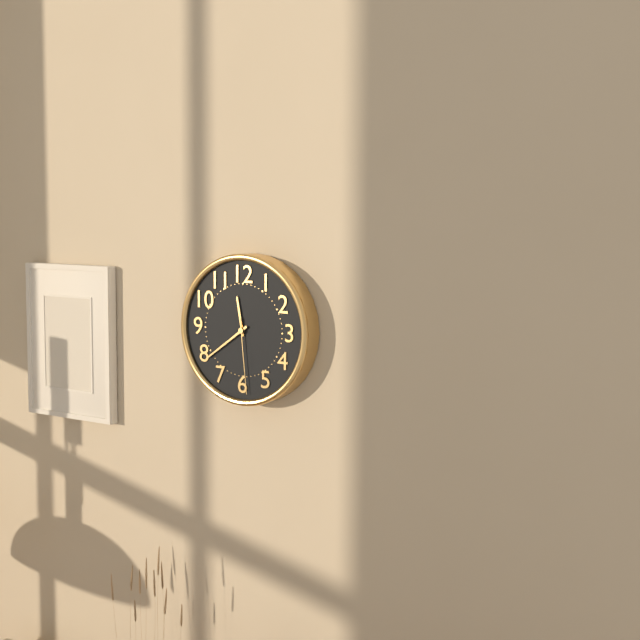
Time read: 11:39:29
